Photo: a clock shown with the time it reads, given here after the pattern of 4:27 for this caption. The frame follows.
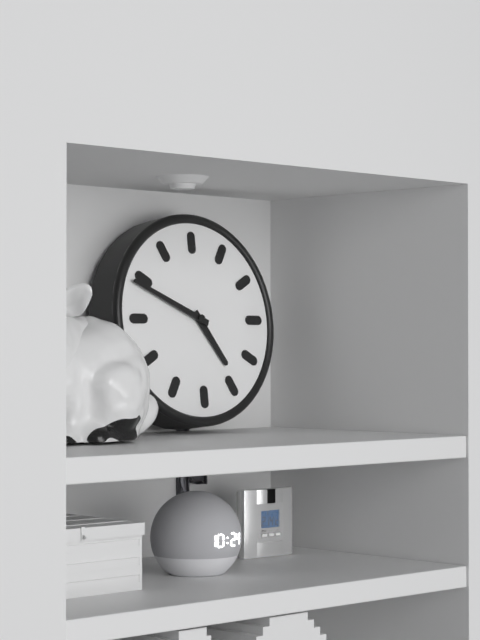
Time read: 4:49
